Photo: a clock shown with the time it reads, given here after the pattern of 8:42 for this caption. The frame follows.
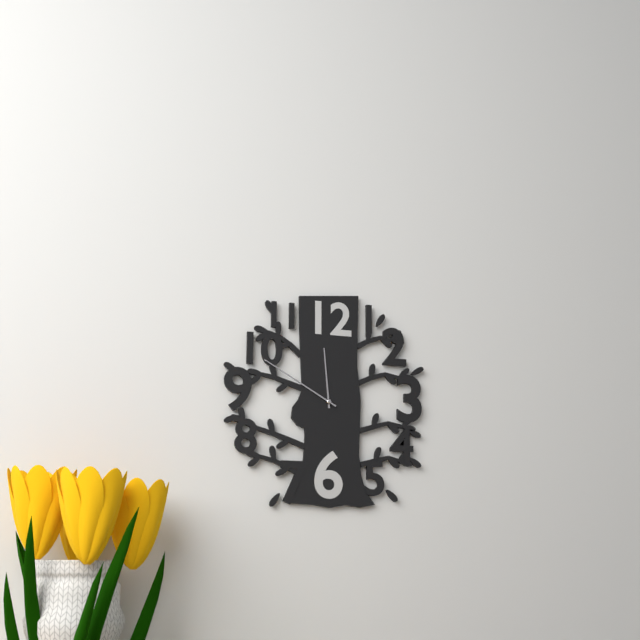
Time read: 11:50
